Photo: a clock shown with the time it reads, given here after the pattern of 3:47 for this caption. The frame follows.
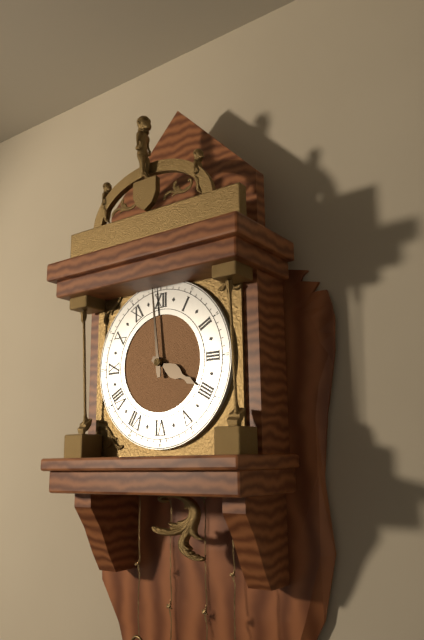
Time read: 3:59
